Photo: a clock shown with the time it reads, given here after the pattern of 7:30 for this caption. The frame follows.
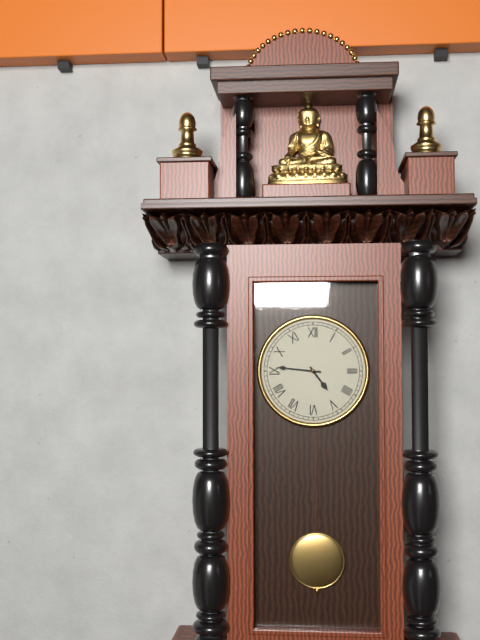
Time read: 4:46
